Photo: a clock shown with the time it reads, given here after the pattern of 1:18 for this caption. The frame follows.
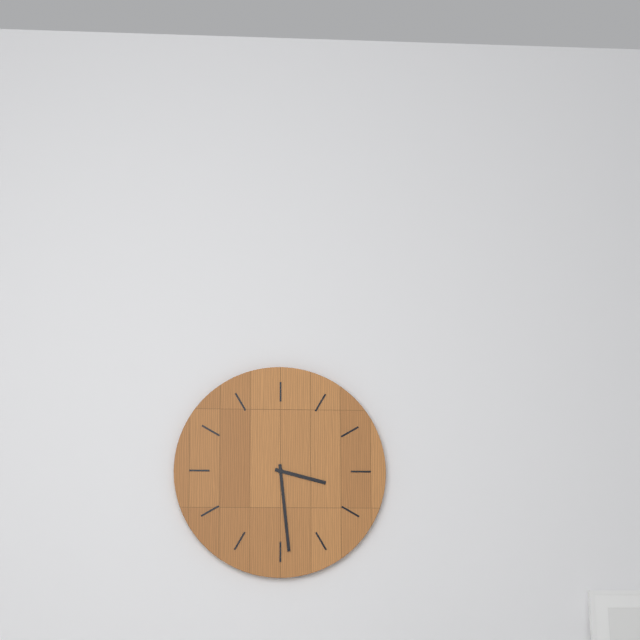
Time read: 3:29
